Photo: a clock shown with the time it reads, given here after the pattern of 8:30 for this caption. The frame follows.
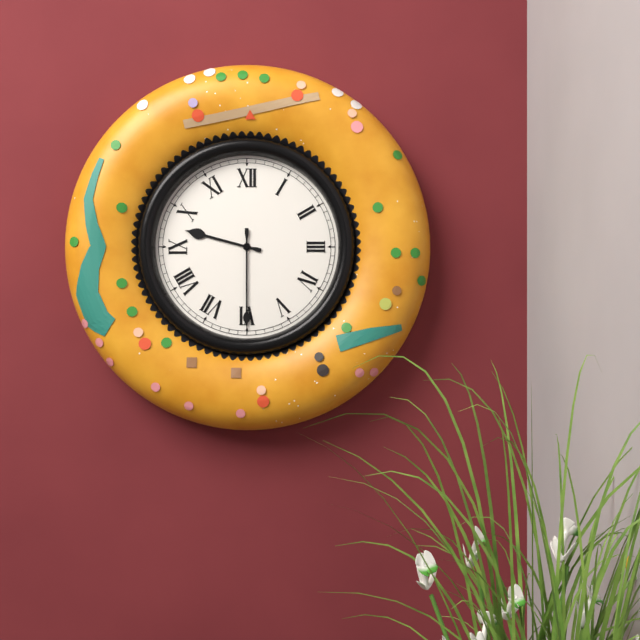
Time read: 9:30
